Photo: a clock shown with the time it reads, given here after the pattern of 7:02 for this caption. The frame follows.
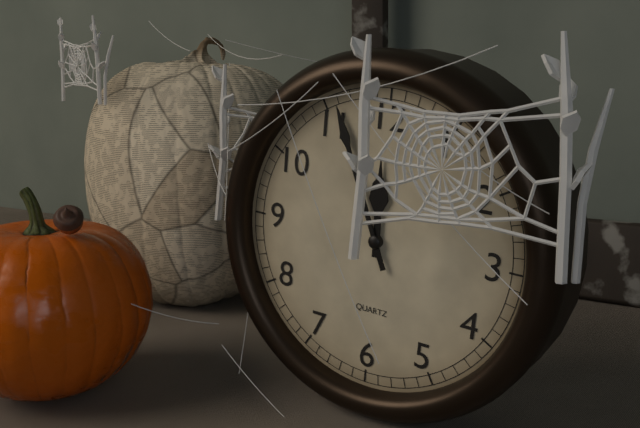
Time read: 11:56
